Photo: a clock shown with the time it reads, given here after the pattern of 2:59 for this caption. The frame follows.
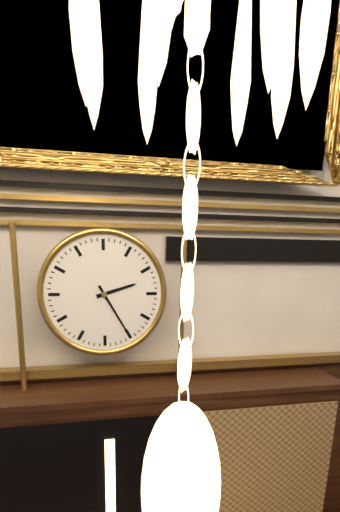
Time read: 2:25
